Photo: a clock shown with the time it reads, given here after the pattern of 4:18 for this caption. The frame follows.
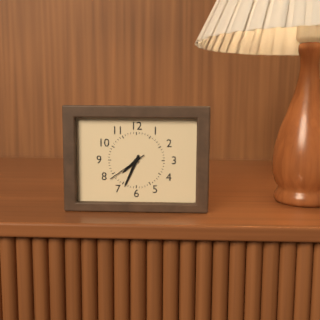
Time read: 7:34
